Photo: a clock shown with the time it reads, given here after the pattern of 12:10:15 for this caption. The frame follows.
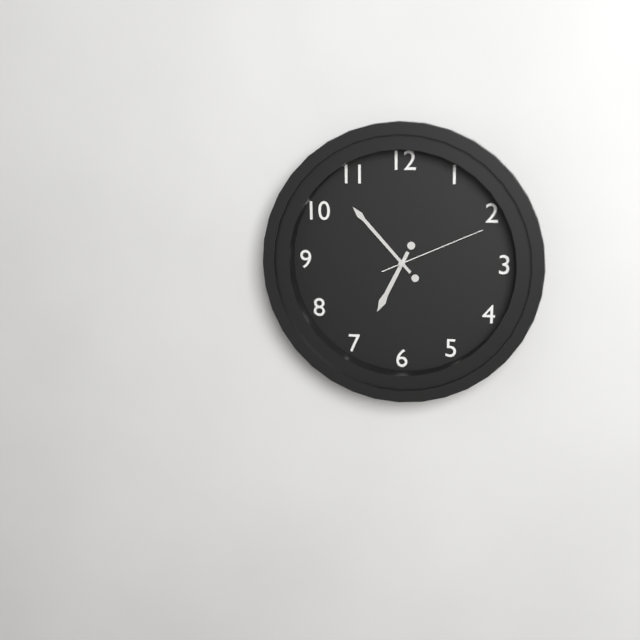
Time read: 6:53:11
